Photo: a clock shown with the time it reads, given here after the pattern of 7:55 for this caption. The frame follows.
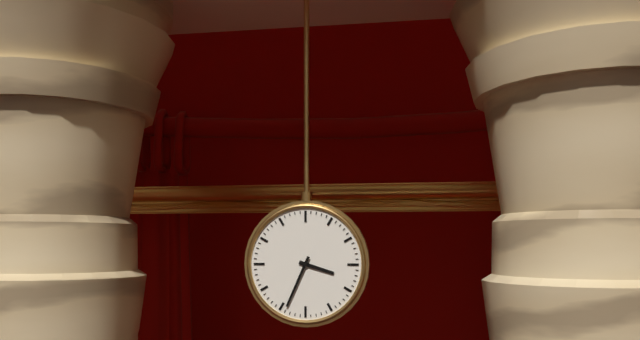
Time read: 3:34
